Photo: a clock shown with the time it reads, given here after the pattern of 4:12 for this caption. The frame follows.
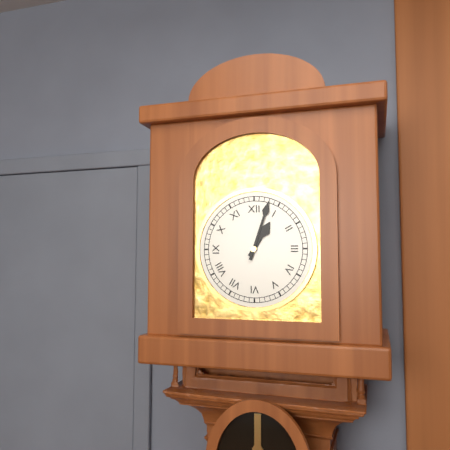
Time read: 1:03
